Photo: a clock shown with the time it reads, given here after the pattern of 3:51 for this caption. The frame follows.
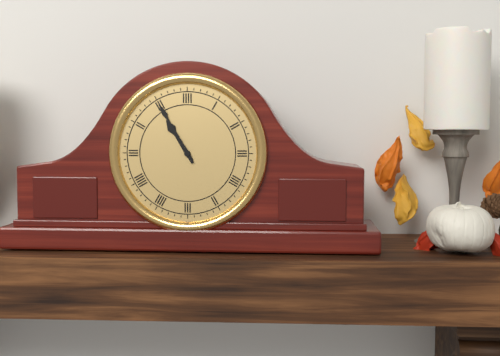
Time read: 10:55
